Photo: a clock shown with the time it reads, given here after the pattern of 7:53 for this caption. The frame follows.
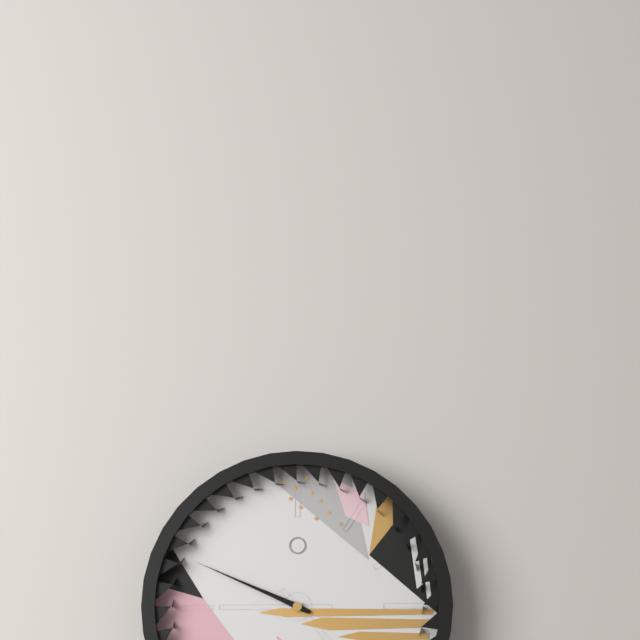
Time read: 9:49
